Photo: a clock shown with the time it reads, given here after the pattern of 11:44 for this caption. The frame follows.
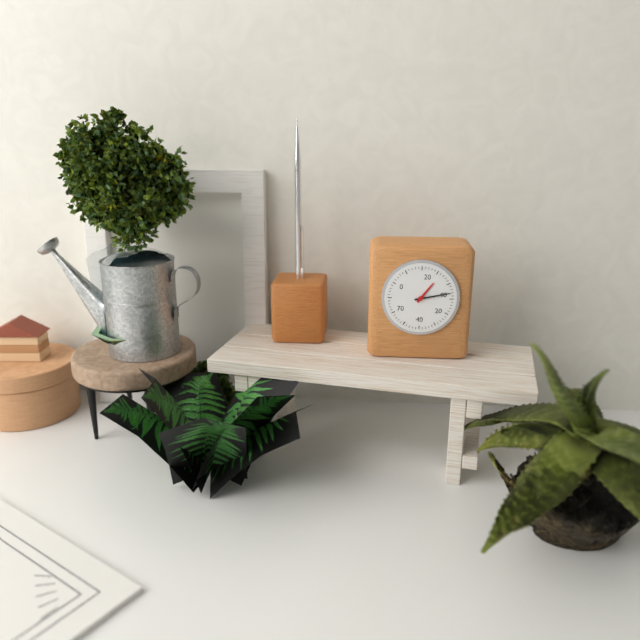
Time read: 1:13
